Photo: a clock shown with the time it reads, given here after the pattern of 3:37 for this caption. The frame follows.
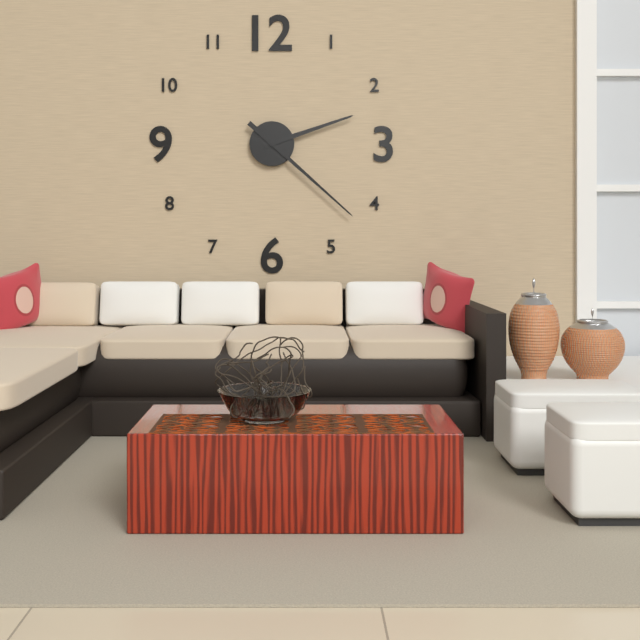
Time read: 2:22
